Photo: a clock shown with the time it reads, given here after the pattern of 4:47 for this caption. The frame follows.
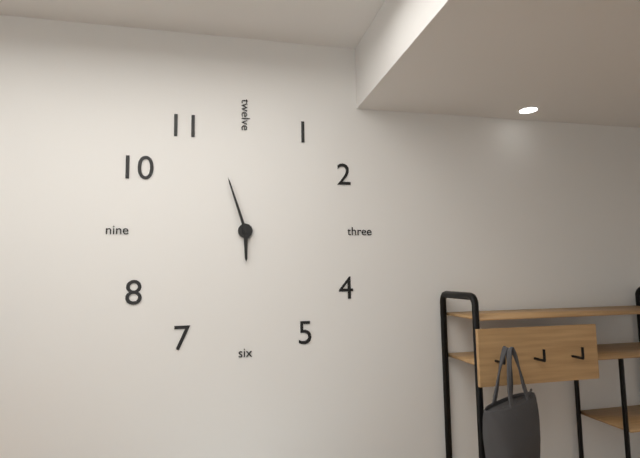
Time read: 5:57
